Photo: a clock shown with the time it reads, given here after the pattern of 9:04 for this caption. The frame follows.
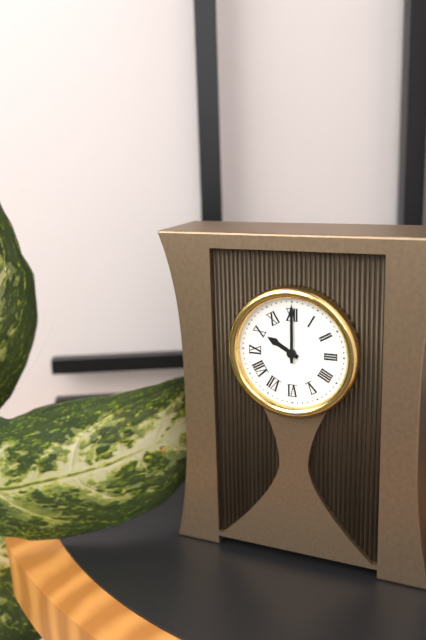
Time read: 10:00
